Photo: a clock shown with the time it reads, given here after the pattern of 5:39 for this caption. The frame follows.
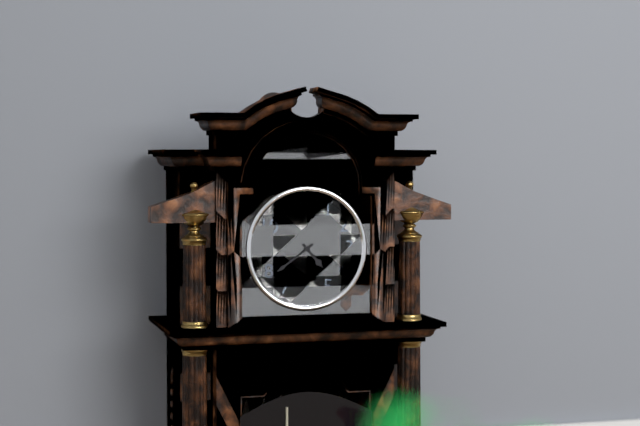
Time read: 4:39
